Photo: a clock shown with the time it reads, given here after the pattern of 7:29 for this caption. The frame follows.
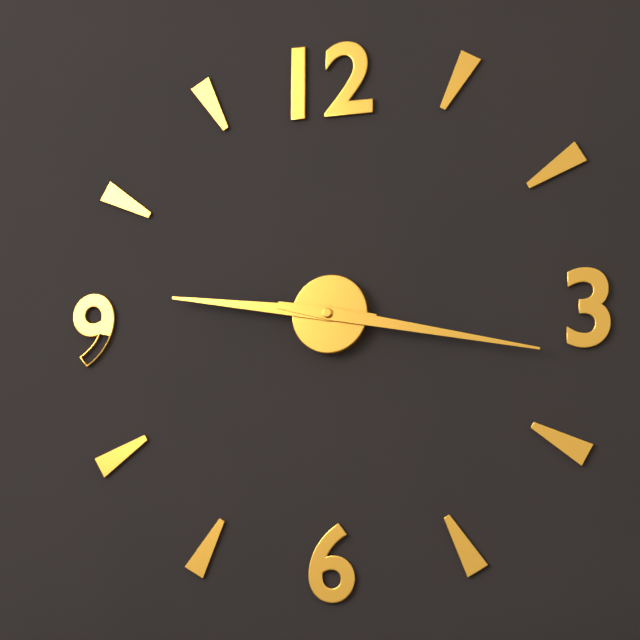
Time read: 9:17
